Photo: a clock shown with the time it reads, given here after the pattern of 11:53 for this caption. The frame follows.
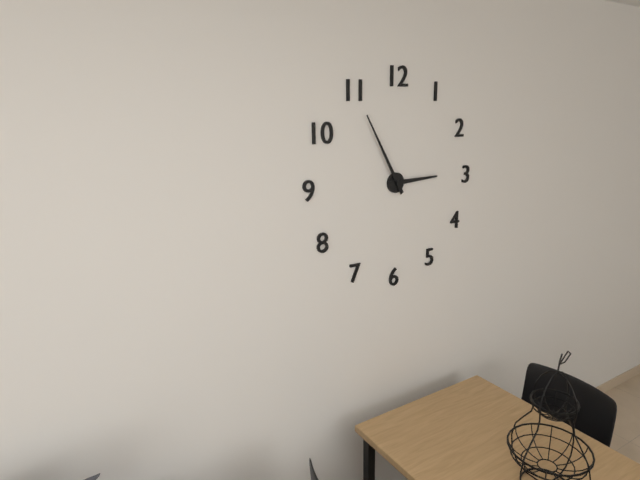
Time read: 2:55
